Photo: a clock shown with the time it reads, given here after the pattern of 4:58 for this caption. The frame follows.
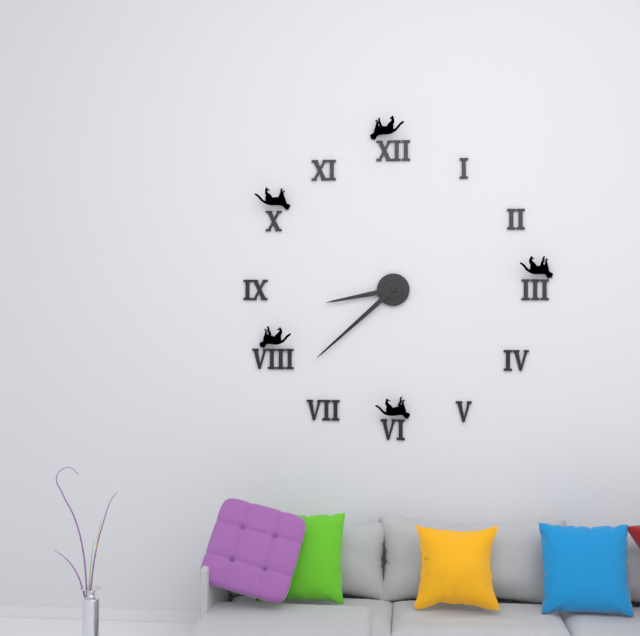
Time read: 8:38
